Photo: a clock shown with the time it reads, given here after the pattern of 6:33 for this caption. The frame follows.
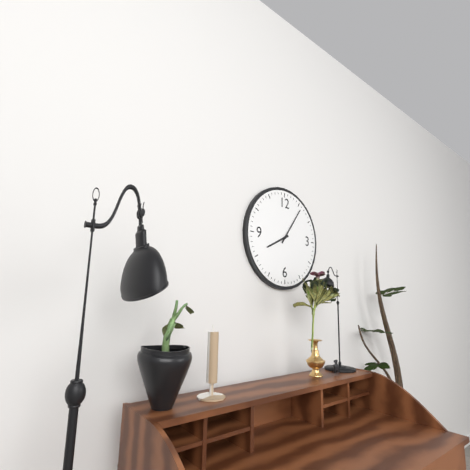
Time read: 8:06
